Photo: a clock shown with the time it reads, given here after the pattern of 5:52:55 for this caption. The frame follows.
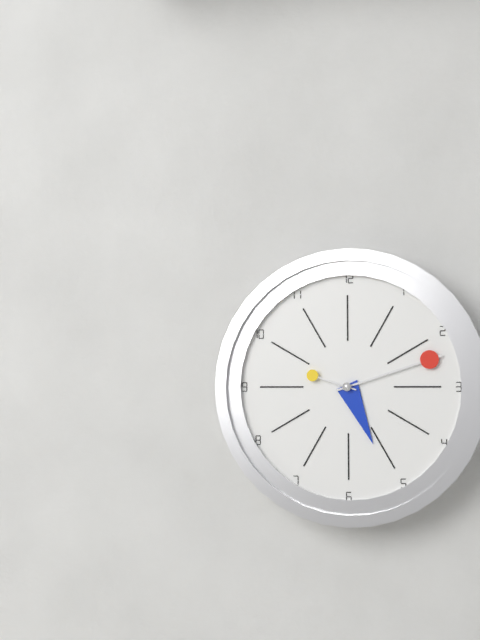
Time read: 5:12:48
